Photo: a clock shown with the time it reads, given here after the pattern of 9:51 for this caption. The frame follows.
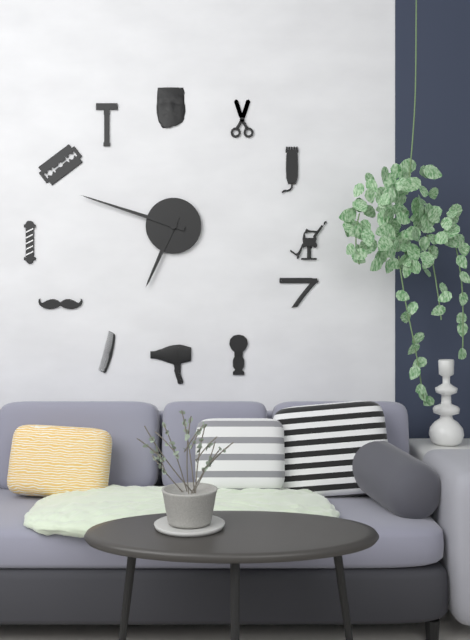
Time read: 6:48
